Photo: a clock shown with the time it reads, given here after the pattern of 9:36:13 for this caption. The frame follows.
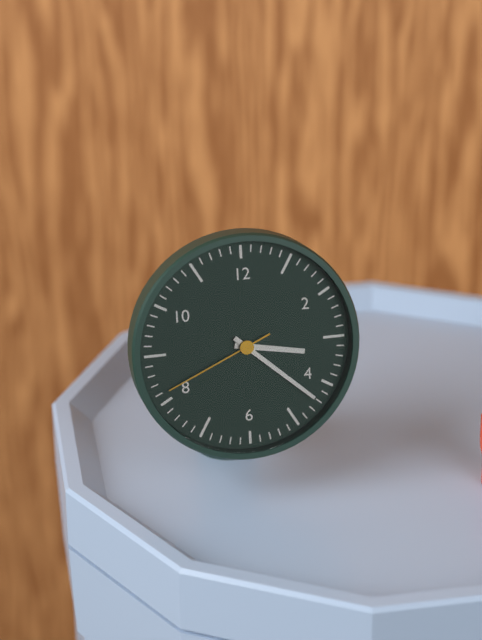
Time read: 3:22:41
